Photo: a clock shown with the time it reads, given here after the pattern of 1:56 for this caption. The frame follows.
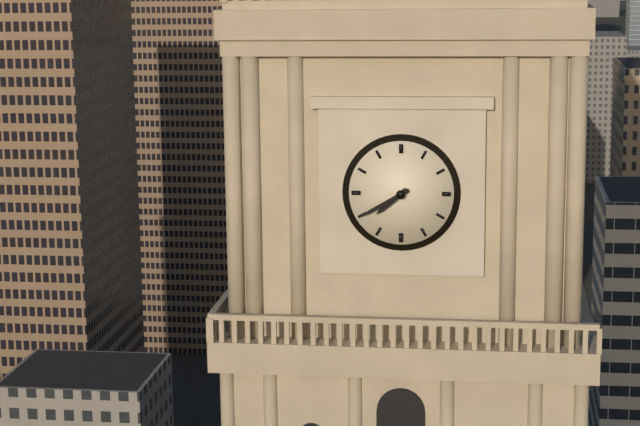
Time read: 7:40
